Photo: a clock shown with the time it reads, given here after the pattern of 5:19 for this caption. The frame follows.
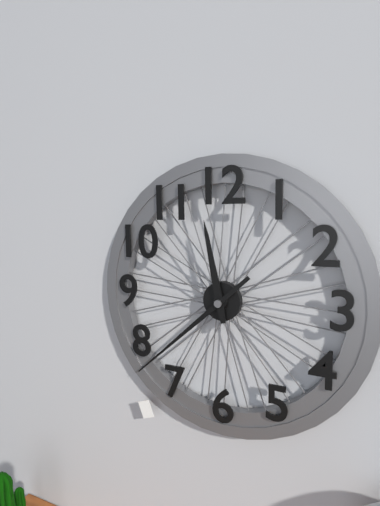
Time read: 11:38
